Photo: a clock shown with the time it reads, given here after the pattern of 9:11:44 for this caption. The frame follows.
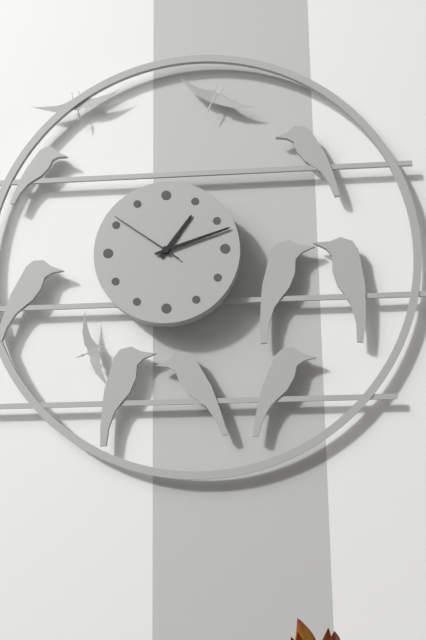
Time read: 1:12:51
